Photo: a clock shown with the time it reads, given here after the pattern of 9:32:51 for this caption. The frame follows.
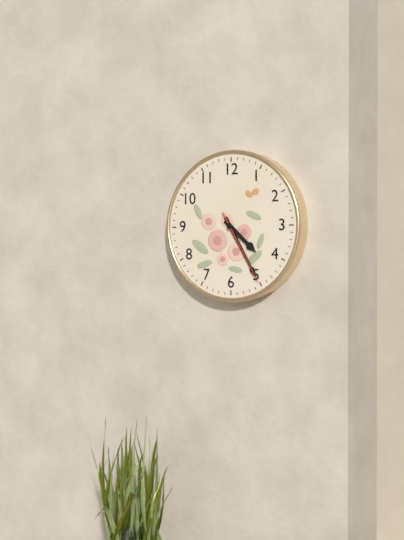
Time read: 4:25:25
